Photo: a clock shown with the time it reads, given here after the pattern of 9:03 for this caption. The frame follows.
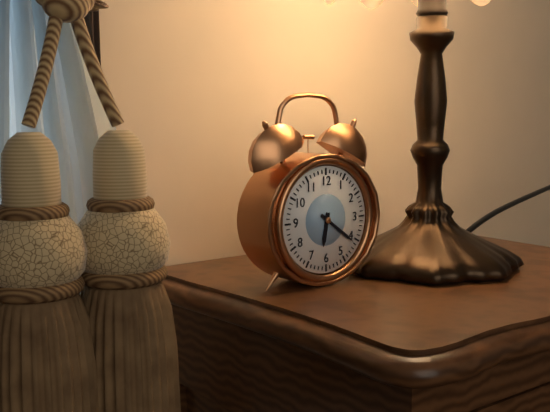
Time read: 6:21
